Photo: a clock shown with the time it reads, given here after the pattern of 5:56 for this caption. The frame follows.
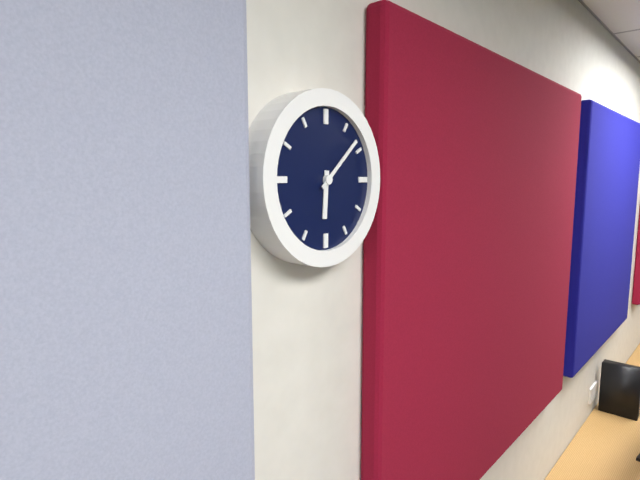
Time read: 6:08
